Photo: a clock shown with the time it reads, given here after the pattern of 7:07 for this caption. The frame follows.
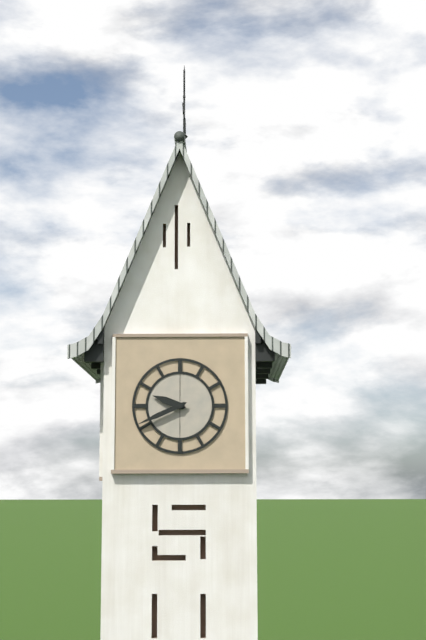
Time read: 9:41
